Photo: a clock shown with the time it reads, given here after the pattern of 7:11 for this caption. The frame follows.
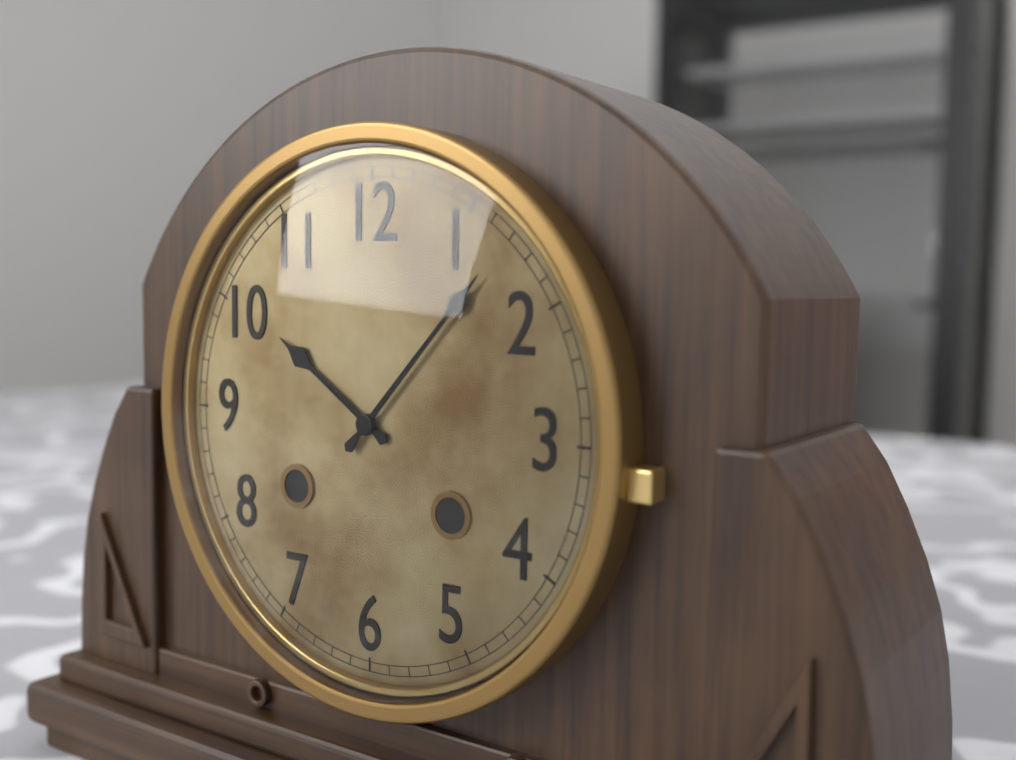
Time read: 10:07
